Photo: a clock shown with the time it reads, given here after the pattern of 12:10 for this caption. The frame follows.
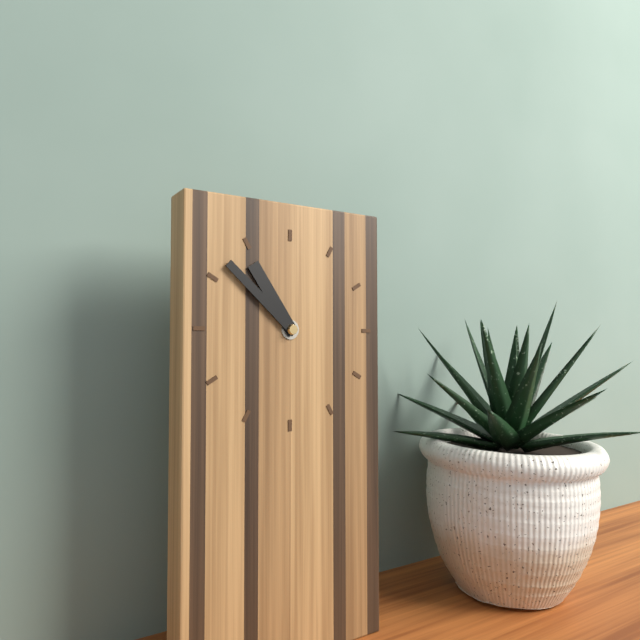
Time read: 10:52
